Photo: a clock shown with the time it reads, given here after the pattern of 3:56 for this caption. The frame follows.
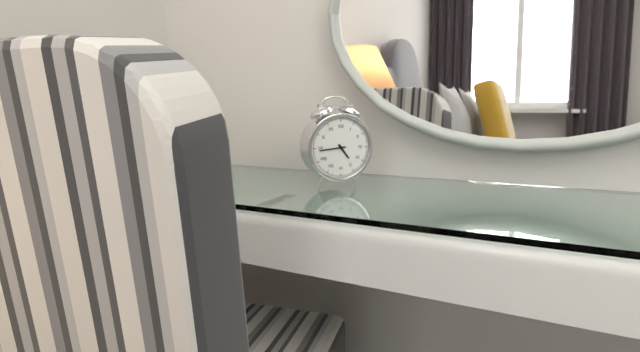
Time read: 4:44
